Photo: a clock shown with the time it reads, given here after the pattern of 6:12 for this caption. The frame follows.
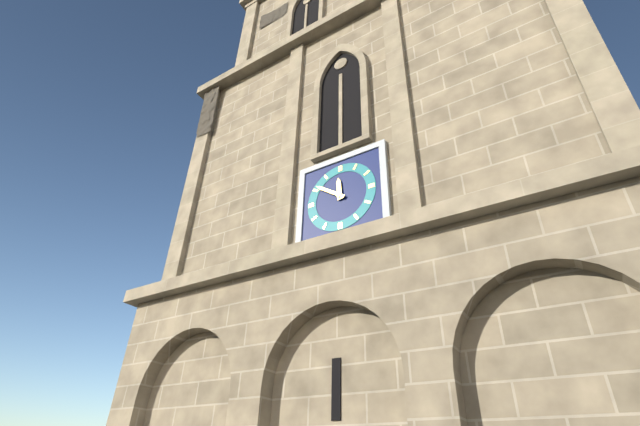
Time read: 11:51
